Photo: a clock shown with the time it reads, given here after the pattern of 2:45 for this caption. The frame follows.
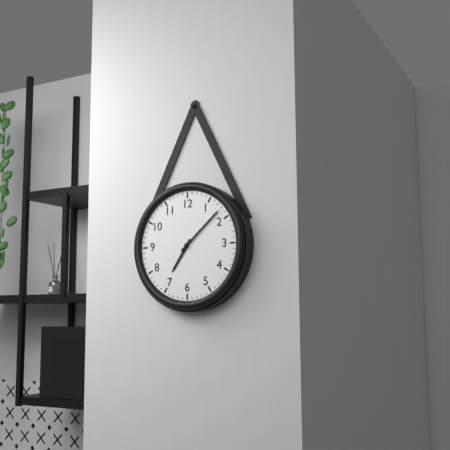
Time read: 7:08
